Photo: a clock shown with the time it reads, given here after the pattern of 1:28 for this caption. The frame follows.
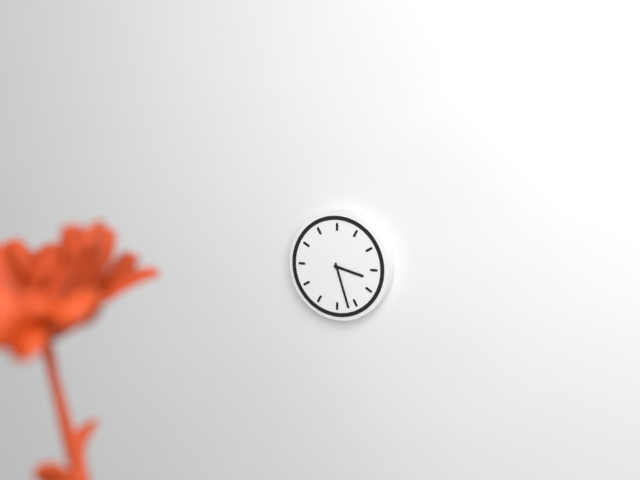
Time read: 3:27
